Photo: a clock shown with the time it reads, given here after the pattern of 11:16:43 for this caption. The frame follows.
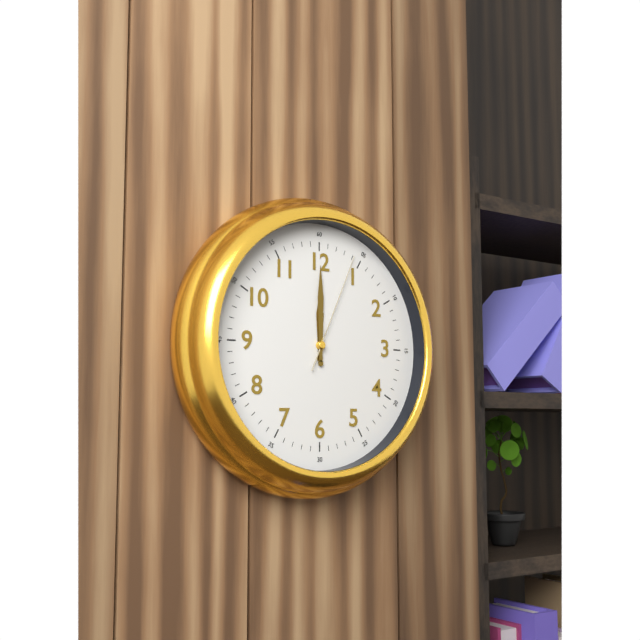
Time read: 12:00:04
